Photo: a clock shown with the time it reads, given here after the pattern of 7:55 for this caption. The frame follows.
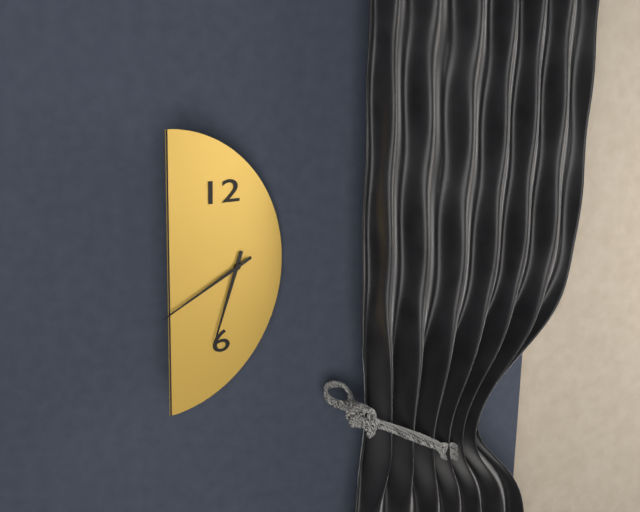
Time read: 6:41
